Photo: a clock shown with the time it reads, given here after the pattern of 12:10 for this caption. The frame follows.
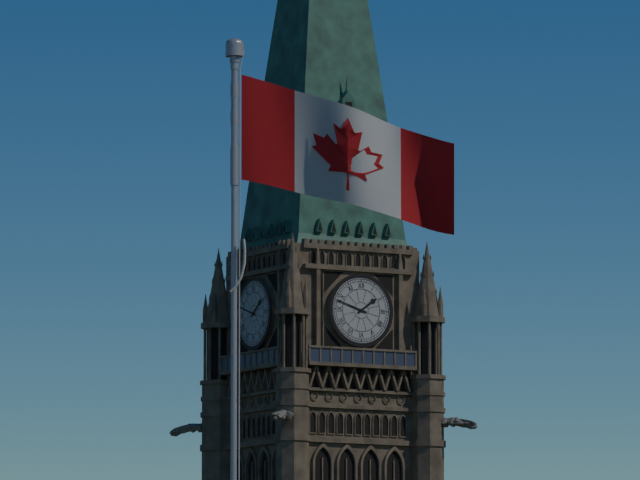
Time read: 1:48
